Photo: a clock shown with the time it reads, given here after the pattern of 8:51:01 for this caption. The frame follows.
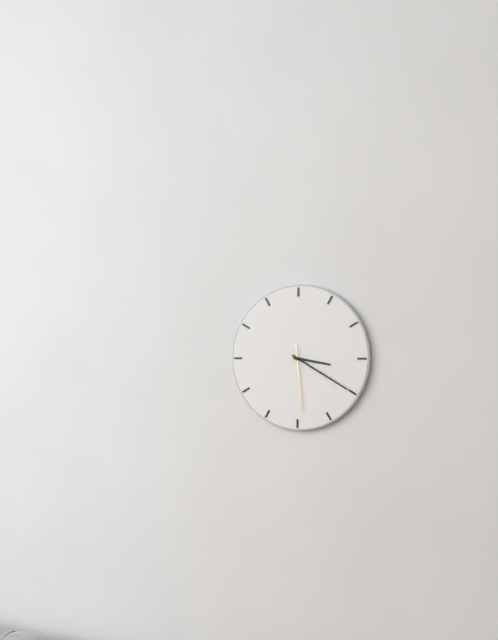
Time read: 3:20:29
